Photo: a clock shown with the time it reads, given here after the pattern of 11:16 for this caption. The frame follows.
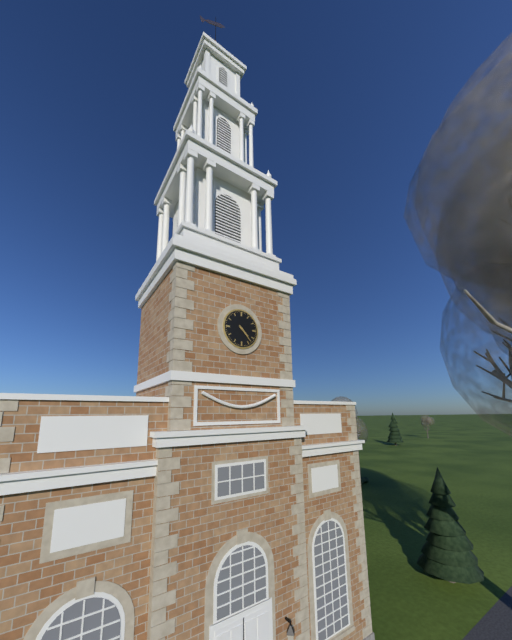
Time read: 4:23
